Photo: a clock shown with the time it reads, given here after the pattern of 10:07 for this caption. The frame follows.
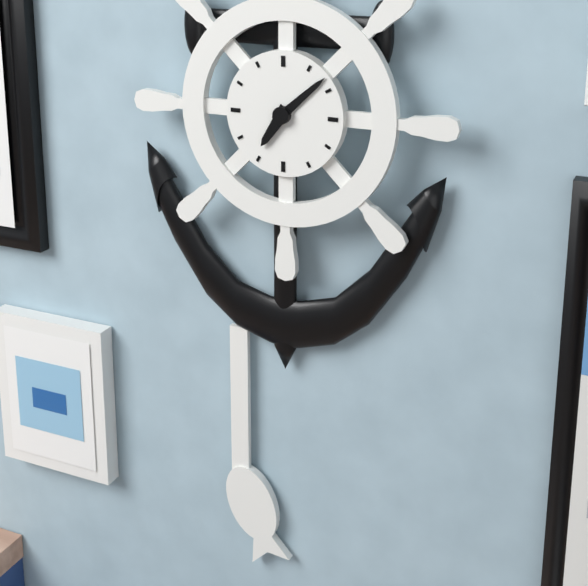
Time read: 7:08
